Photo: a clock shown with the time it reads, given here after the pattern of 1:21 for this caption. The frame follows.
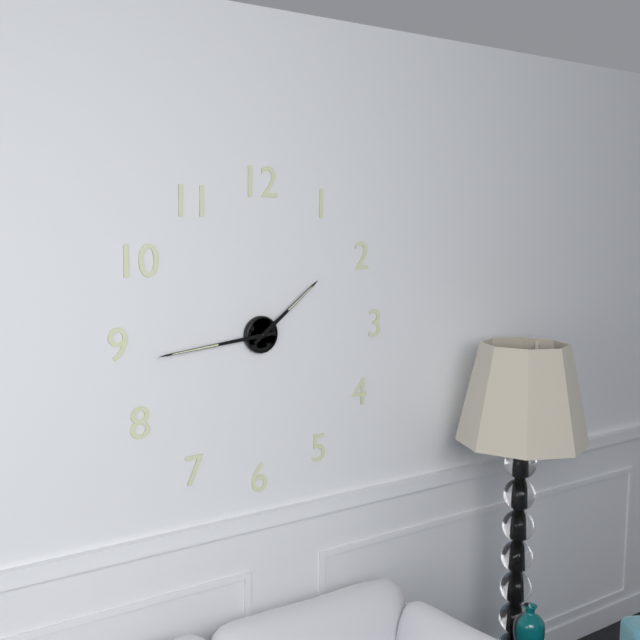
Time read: 1:44
